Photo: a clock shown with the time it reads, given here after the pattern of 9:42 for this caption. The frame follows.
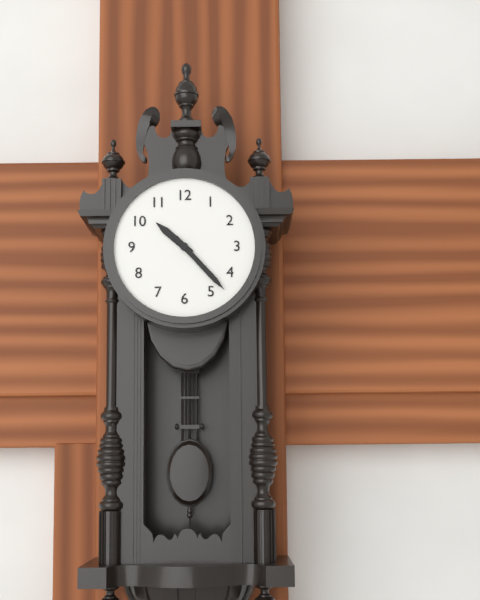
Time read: 10:23
